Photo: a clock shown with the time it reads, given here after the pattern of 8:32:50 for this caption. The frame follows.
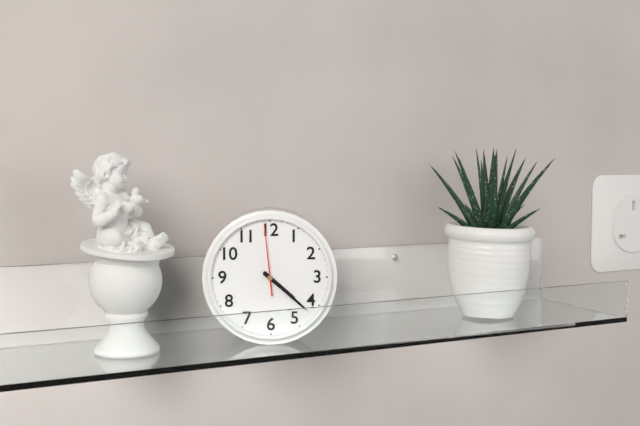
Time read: 4:22:59
